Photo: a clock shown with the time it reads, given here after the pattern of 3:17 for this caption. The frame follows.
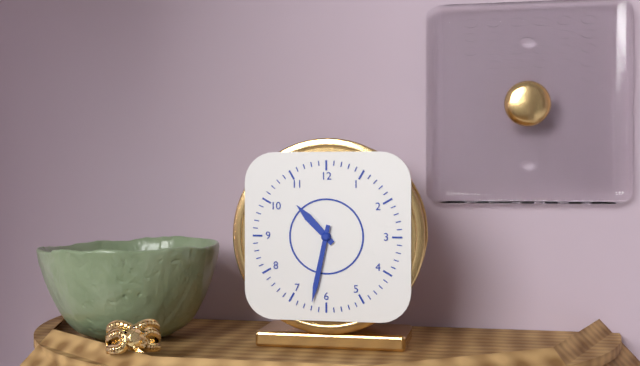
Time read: 10:32
